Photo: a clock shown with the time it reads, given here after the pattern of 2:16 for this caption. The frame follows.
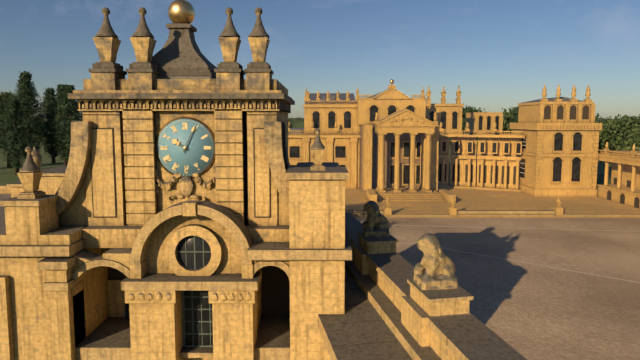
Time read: 10:04
